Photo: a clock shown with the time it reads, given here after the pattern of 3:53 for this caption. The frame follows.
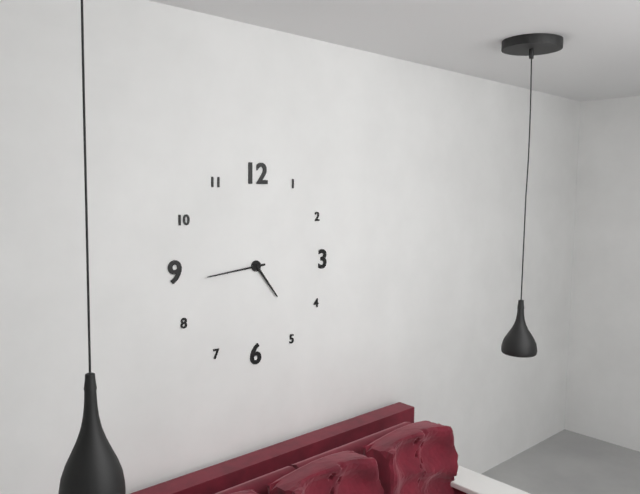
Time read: 4:44
